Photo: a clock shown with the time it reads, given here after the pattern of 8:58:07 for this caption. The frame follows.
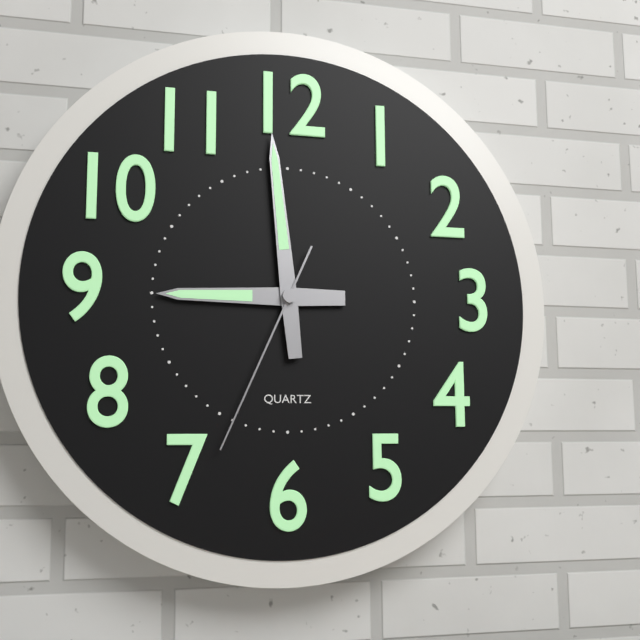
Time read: 8:59:34
